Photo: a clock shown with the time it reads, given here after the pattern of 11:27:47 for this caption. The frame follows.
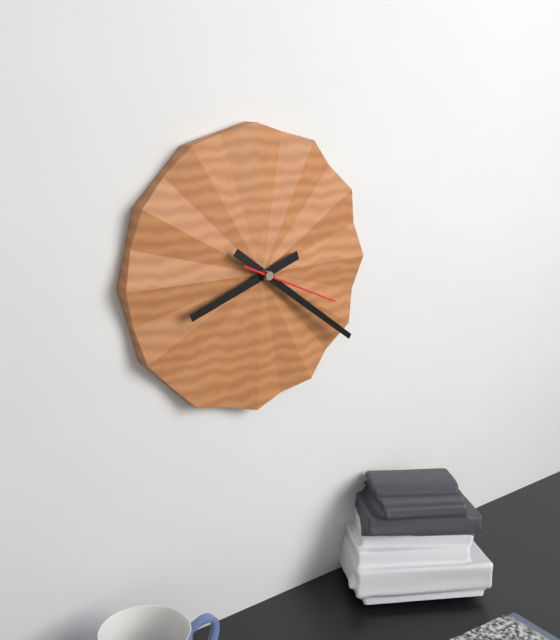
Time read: 8:21:19
